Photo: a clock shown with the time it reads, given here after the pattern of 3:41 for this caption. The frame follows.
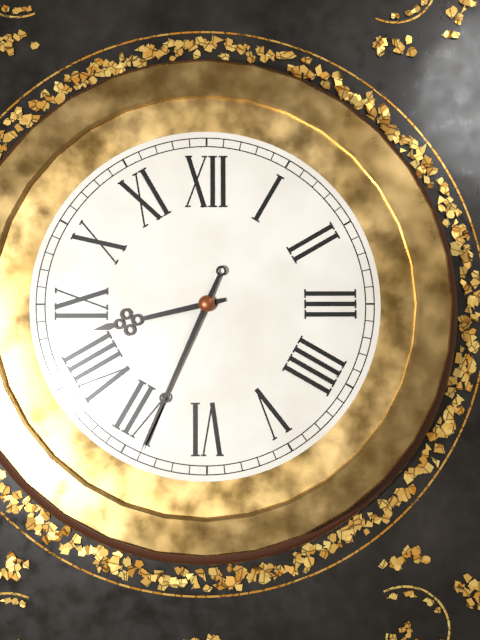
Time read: 8:34
